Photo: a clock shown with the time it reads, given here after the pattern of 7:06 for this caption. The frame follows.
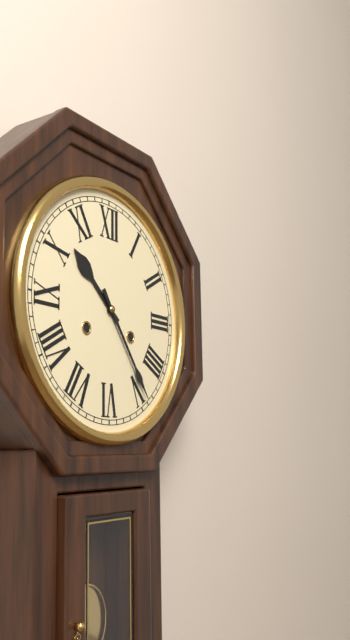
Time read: 10:24
